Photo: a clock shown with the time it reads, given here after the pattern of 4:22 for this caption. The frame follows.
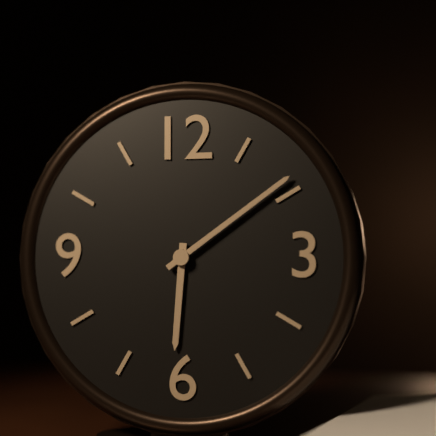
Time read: 6:09
